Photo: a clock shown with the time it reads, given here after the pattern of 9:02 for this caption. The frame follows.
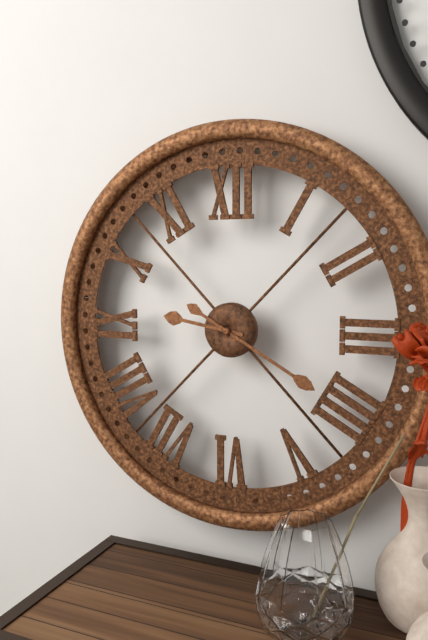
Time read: 9:20
